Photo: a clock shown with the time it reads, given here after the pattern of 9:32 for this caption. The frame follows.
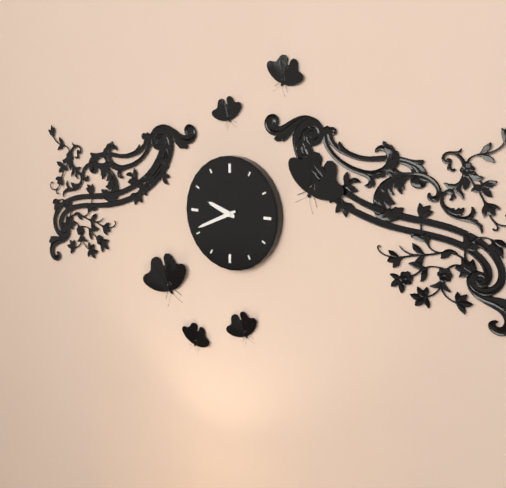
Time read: 9:41
